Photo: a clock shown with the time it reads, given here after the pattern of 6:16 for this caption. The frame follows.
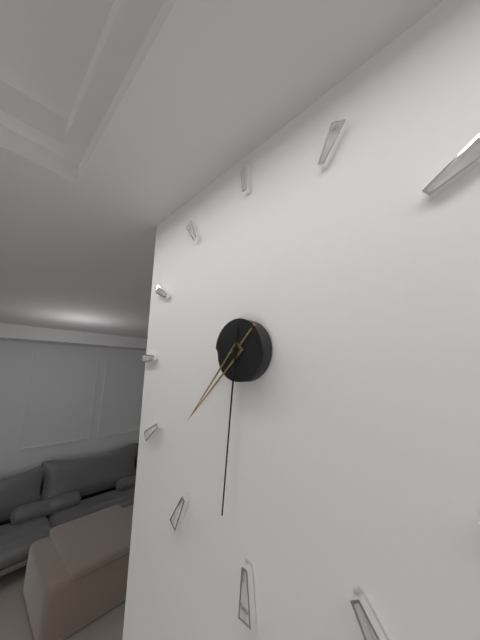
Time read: 7:31
